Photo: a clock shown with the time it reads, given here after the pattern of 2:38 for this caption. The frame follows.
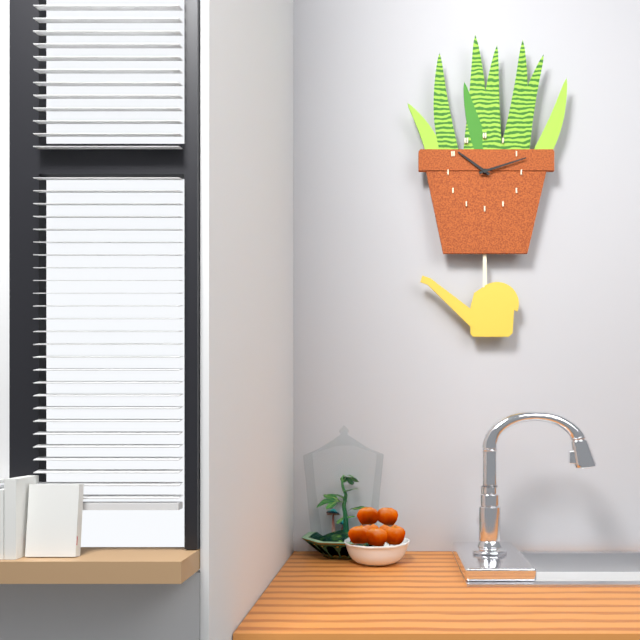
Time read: 10:12
